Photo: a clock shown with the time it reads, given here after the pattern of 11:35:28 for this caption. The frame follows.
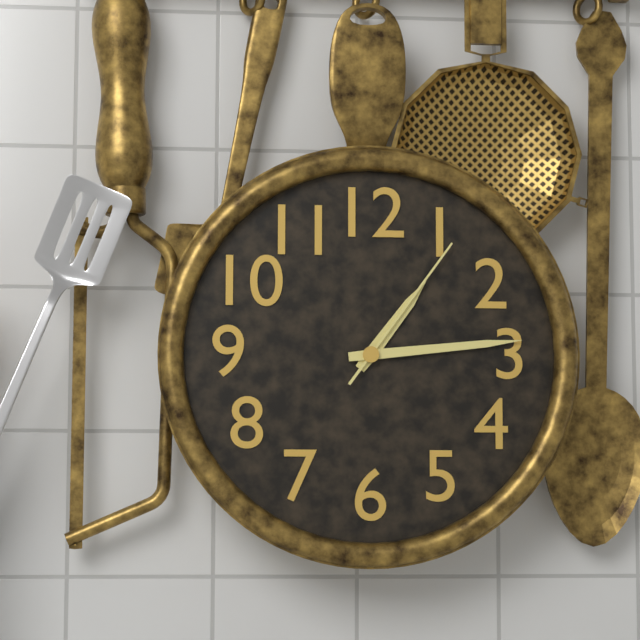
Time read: 1:14:06
